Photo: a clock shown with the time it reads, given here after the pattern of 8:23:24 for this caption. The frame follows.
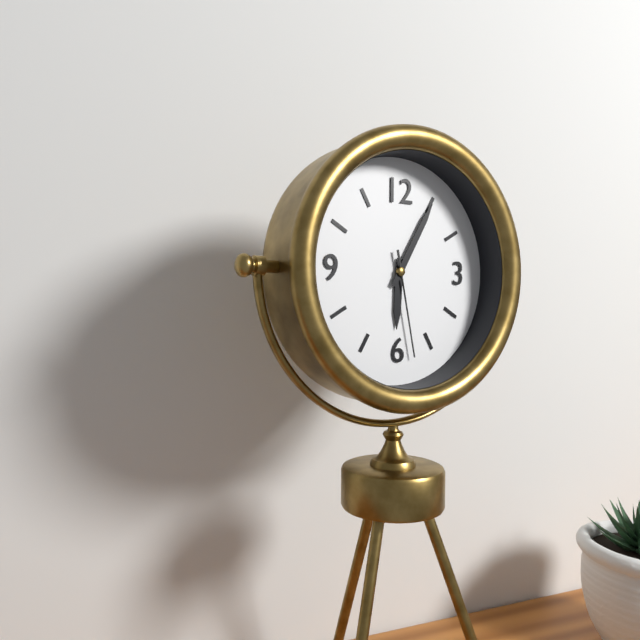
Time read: 6:05:28
